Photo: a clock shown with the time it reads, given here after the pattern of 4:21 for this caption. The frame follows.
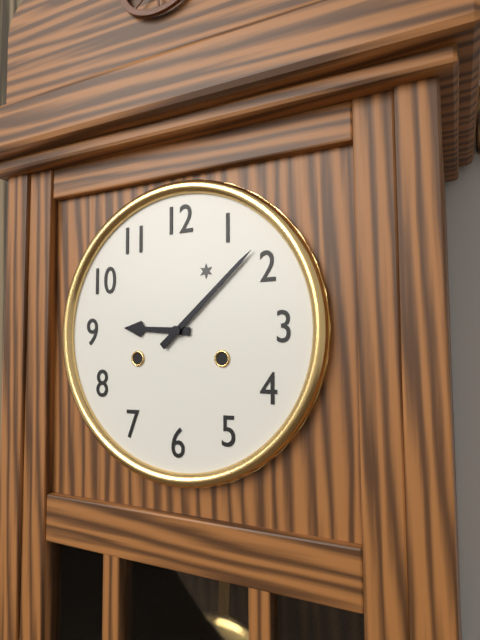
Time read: 9:08
